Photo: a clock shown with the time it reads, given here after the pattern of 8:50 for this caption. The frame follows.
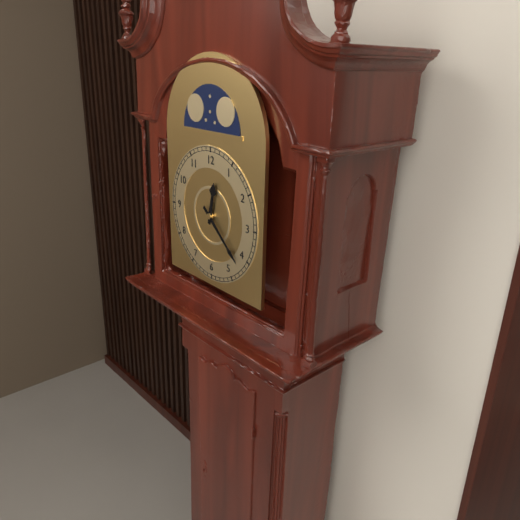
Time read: 12:22
